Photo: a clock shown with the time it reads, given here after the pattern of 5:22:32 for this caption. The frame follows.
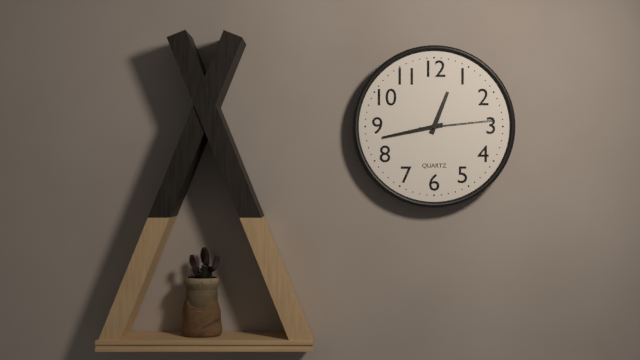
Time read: 12:43:14
